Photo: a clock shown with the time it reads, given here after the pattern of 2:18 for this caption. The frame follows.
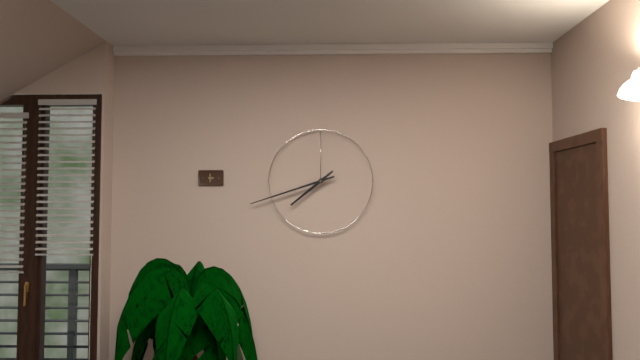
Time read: 7:42
